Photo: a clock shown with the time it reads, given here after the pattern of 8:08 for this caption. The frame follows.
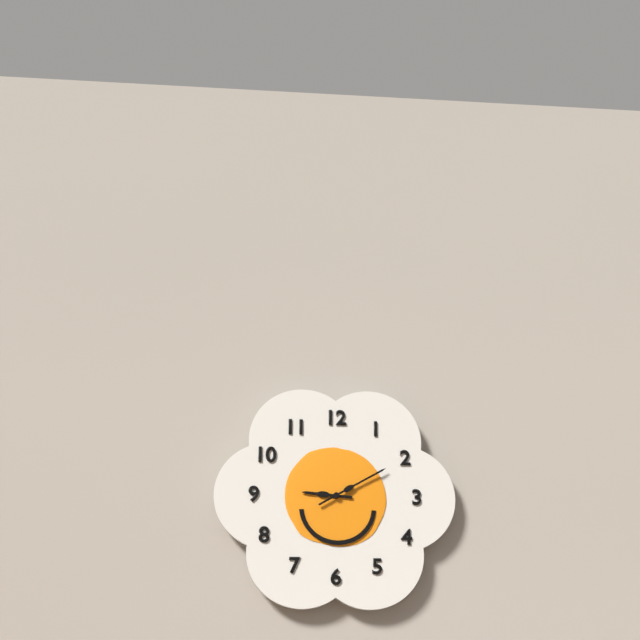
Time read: 9:10
